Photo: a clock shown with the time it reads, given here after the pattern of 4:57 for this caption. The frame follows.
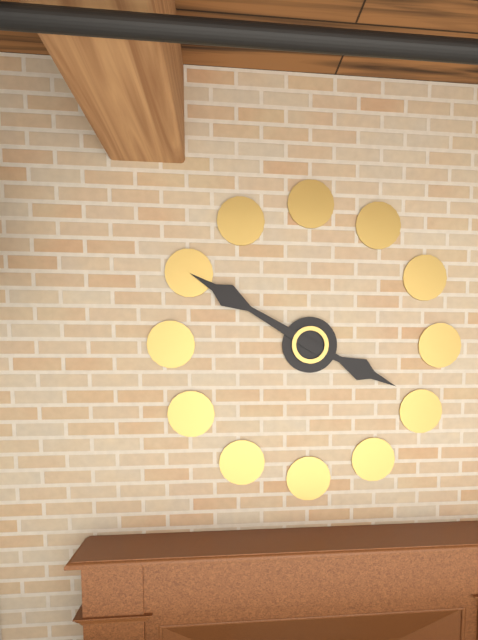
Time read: 3:50
